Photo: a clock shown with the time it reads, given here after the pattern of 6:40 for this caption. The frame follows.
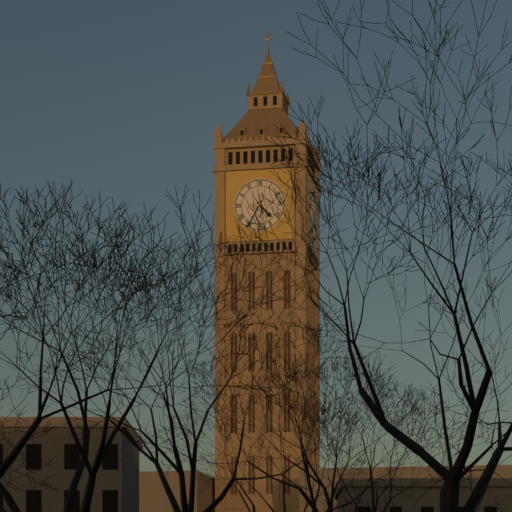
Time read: 4:35
